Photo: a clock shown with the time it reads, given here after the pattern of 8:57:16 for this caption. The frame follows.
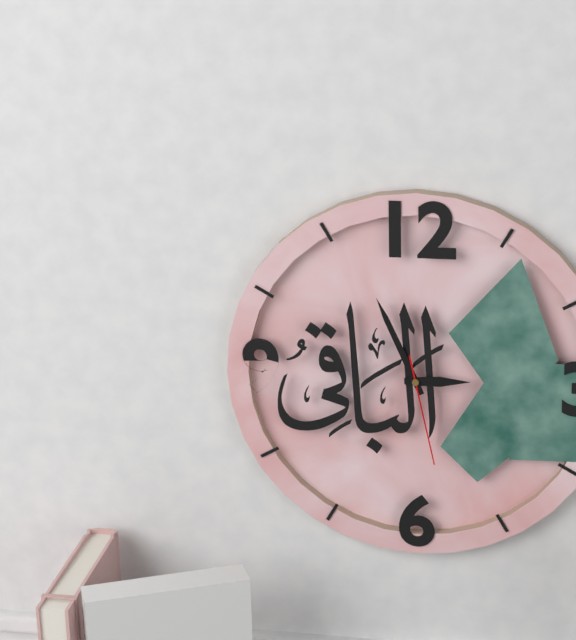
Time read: 2:56:28
